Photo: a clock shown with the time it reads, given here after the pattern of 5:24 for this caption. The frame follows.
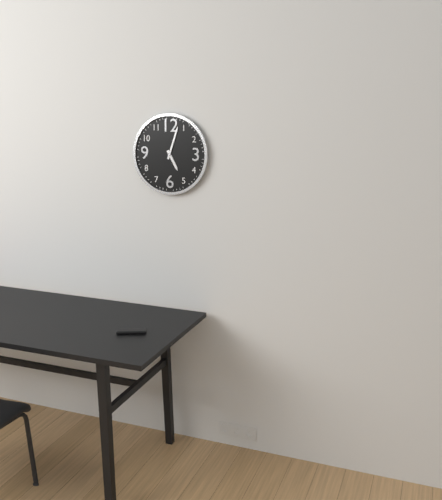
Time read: 5:03
